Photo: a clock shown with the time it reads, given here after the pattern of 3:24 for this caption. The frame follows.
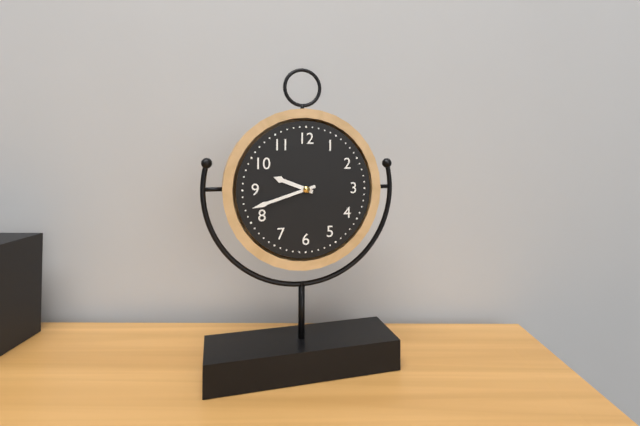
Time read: 9:42
